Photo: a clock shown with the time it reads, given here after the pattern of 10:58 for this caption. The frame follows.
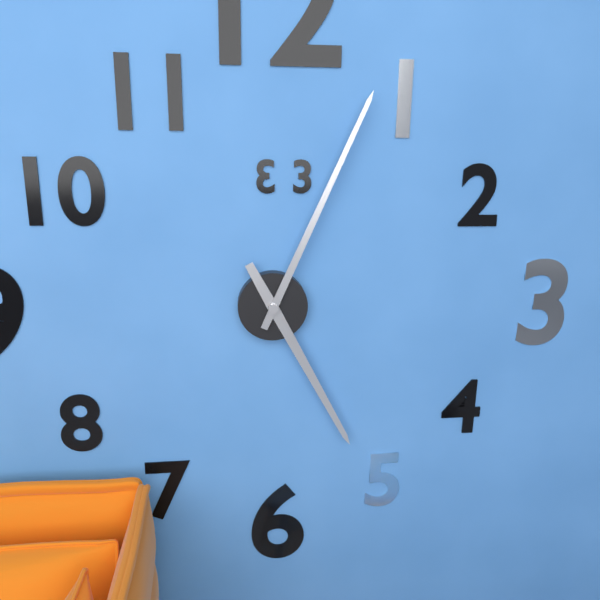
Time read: 5:04
